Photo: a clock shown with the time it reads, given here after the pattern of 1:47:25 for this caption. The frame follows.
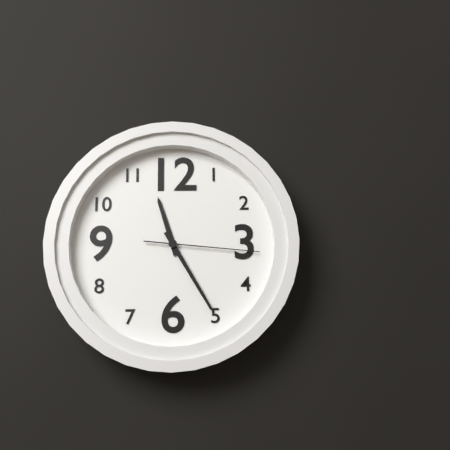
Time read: 11:25:16
